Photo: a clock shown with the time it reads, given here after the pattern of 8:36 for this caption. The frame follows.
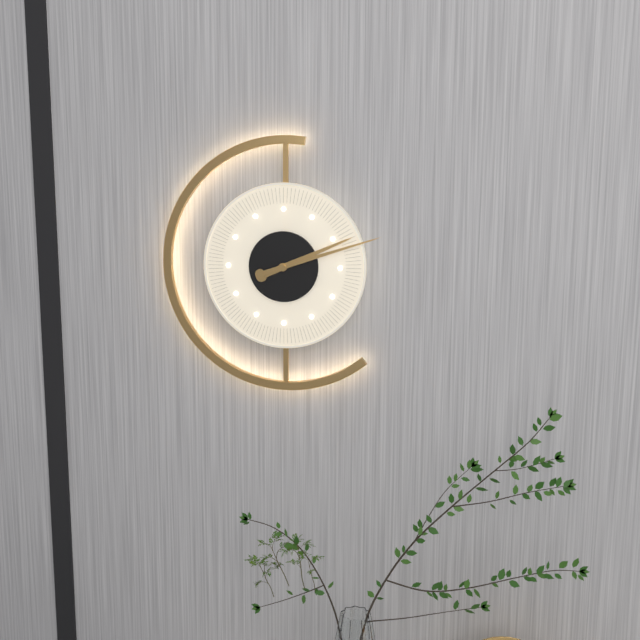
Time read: 2:12
